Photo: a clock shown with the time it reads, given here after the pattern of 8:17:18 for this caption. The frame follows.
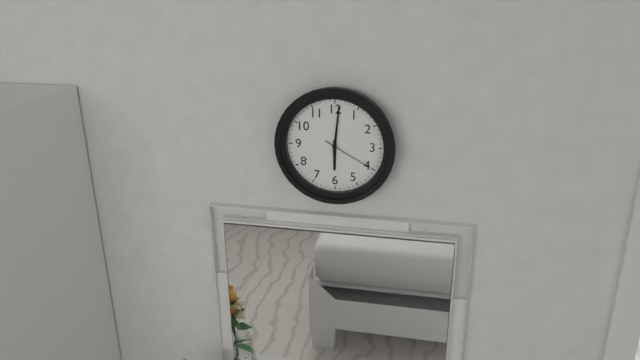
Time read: 6:01:20
